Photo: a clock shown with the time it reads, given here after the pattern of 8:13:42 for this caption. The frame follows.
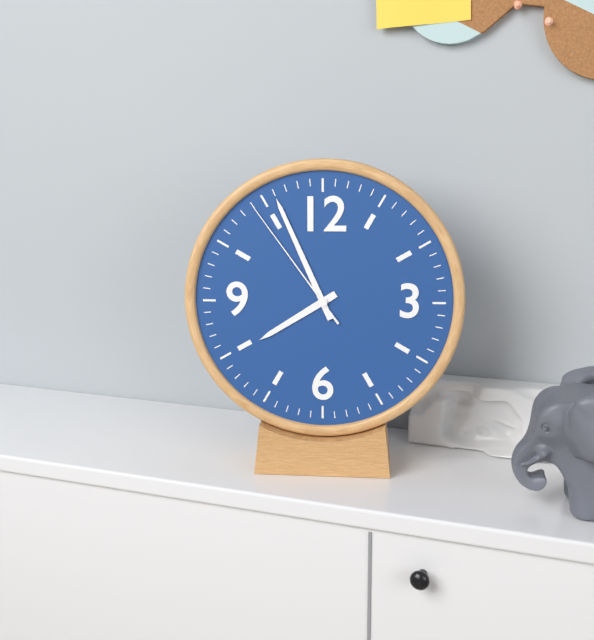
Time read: 7:56:54
